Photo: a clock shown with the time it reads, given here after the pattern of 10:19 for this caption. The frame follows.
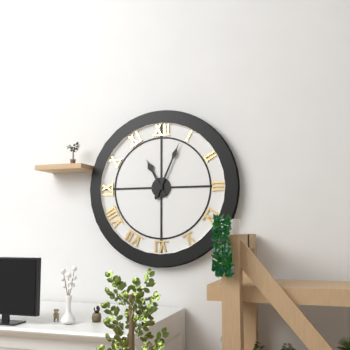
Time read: 11:04
